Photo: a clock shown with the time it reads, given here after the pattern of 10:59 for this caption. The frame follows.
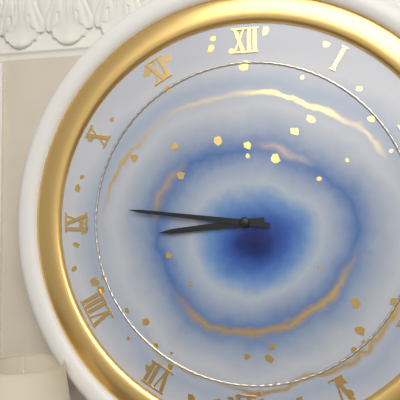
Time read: 8:46
